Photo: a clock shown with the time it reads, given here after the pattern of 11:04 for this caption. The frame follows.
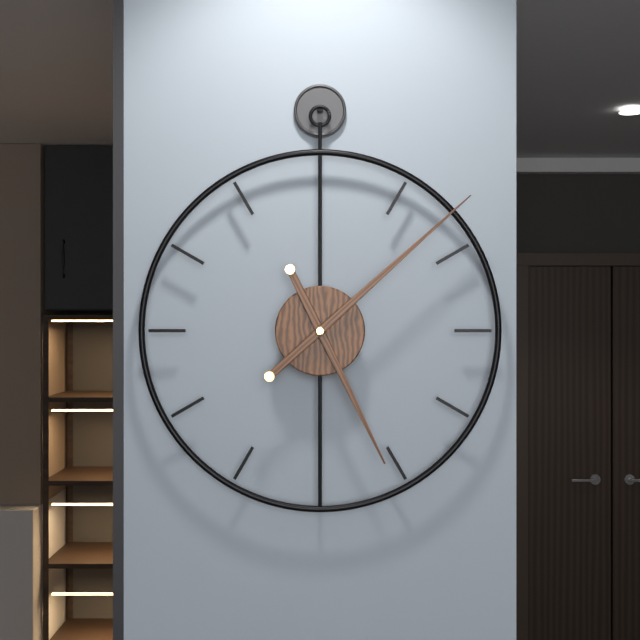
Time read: 5:08
